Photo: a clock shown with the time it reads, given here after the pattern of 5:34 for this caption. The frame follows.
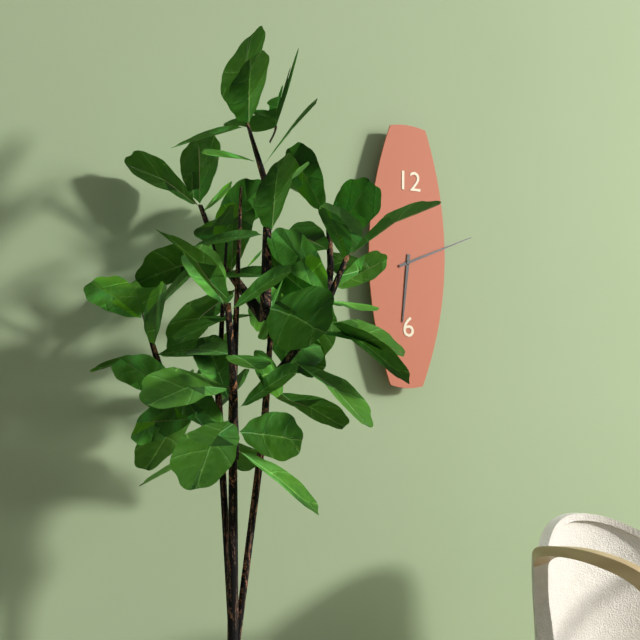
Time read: 6:11
